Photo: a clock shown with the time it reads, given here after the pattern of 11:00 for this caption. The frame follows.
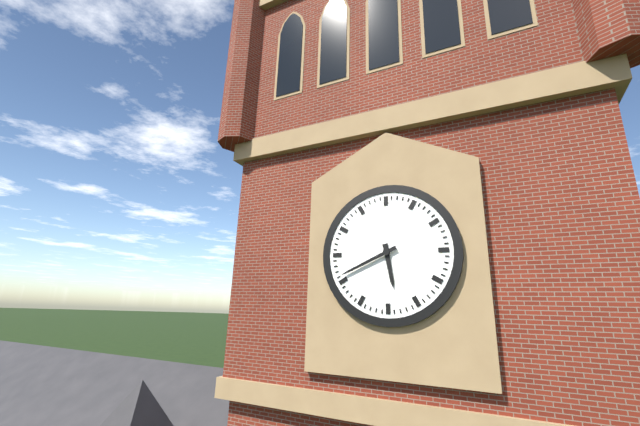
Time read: 5:41
